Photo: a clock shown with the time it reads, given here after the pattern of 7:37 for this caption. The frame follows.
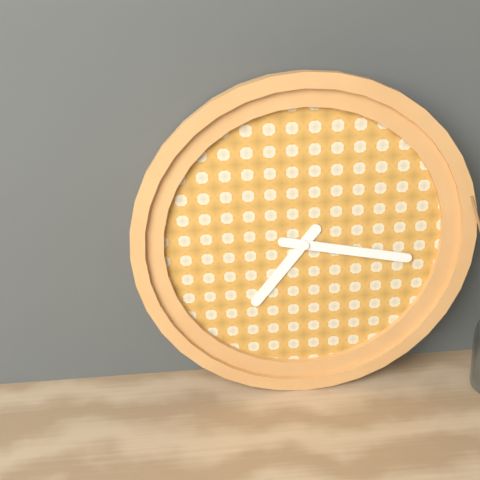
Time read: 7:17
